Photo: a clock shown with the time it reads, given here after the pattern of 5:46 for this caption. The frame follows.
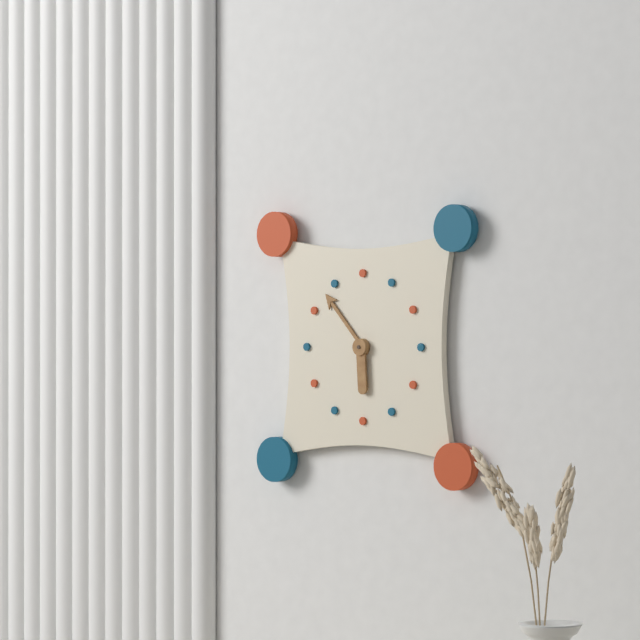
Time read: 5:53
